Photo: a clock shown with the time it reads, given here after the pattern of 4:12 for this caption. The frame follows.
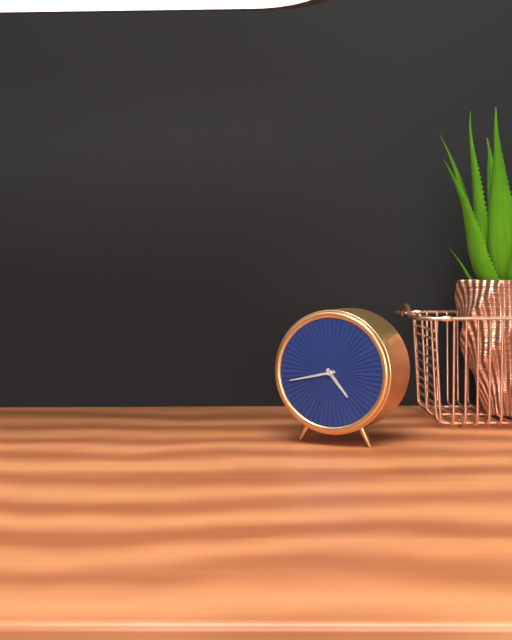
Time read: 4:43
